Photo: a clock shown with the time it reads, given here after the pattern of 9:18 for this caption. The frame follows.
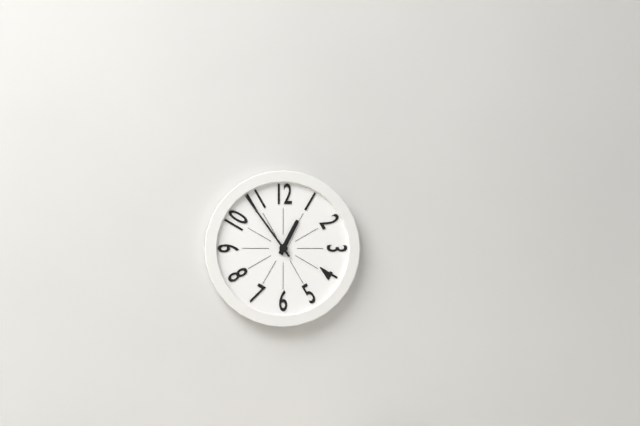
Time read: 12:54
